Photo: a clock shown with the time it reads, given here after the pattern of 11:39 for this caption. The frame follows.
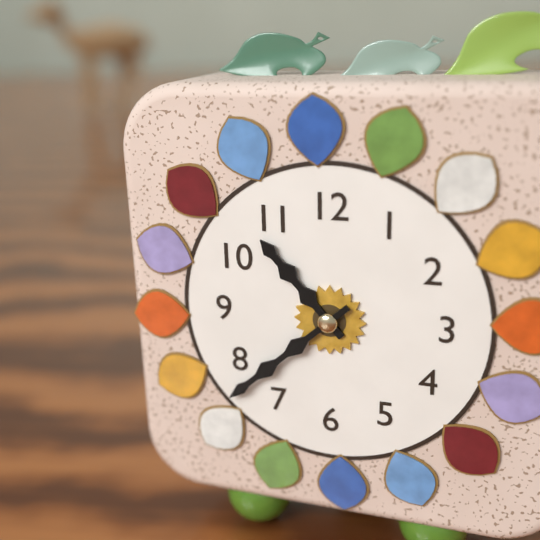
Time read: 10:38
